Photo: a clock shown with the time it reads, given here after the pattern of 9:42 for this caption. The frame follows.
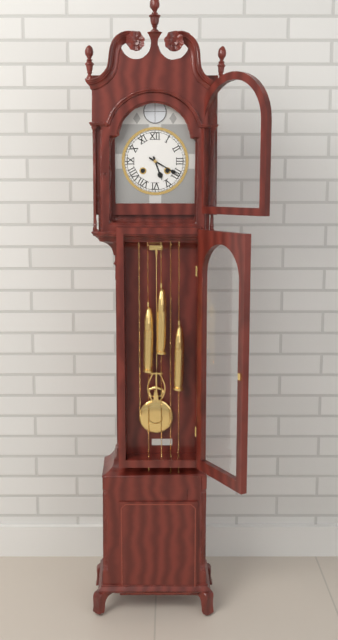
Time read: 5:20
